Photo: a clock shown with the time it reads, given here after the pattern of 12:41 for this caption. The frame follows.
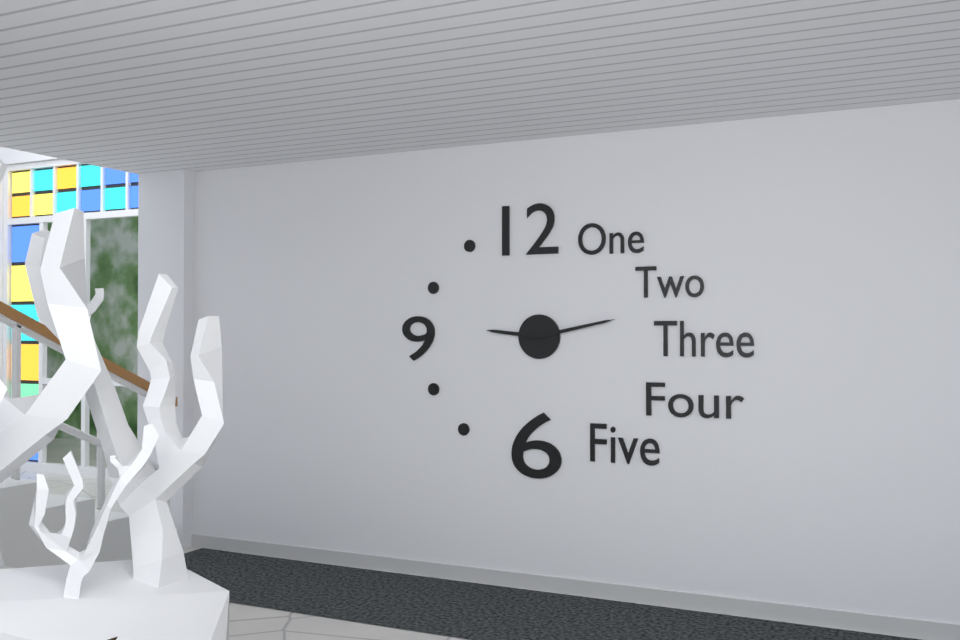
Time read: 9:13
